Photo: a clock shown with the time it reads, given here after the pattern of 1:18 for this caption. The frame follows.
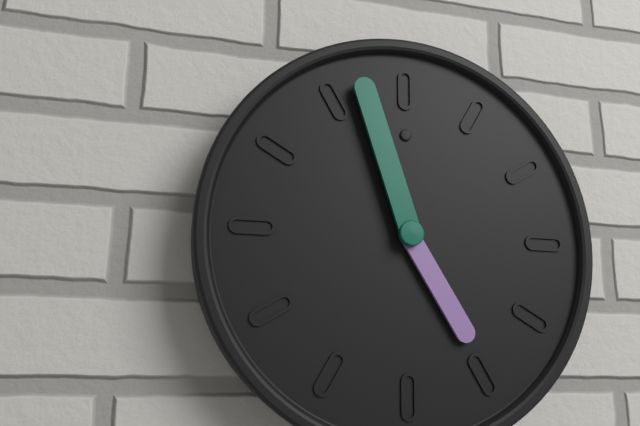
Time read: 4:57
